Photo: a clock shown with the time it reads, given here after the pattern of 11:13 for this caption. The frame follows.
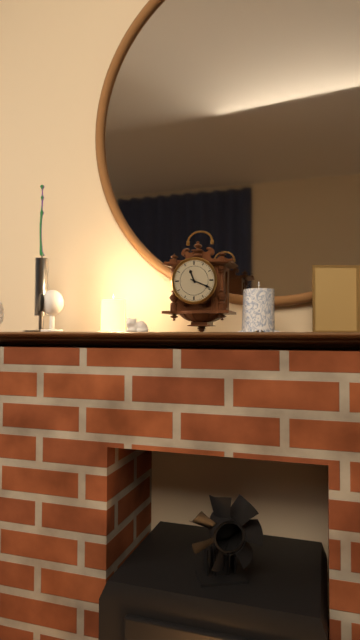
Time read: 11:19
